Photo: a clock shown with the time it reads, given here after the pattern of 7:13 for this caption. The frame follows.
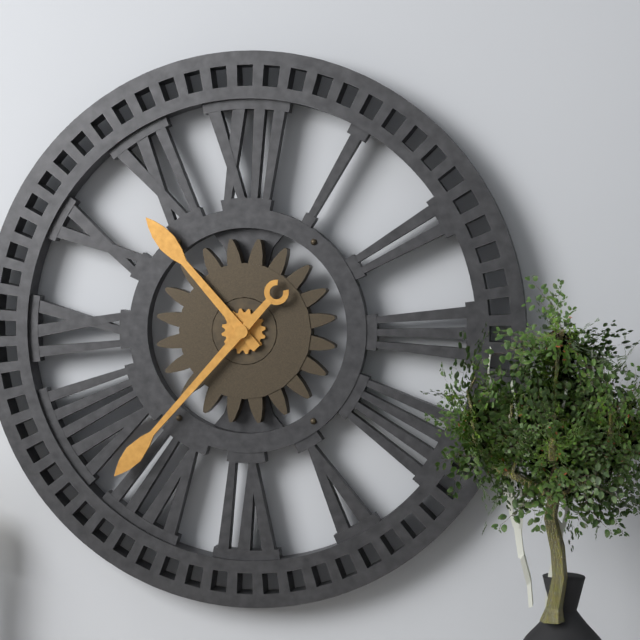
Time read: 10:37
